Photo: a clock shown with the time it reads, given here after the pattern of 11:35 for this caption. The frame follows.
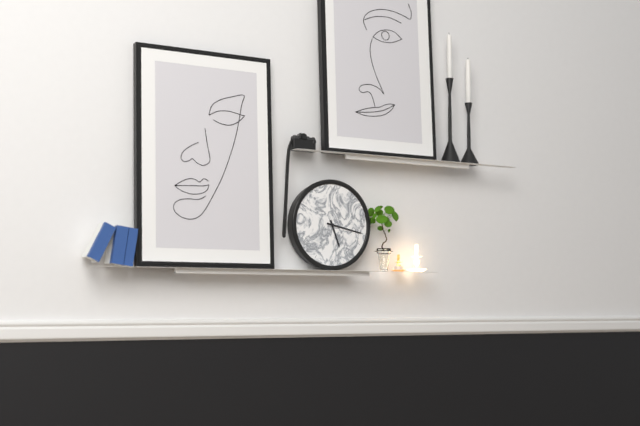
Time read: 5:17
